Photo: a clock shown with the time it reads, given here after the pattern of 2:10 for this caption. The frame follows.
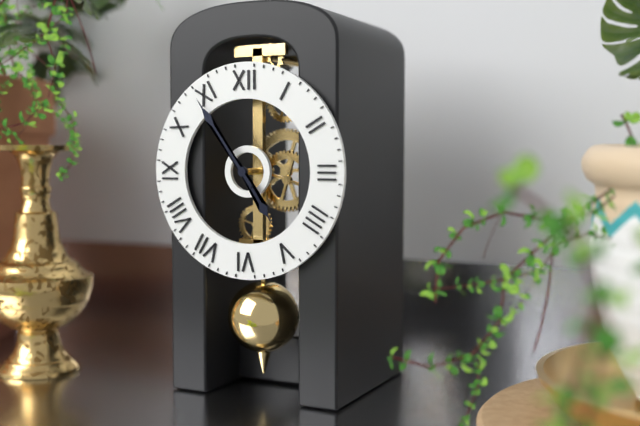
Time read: 4:54
